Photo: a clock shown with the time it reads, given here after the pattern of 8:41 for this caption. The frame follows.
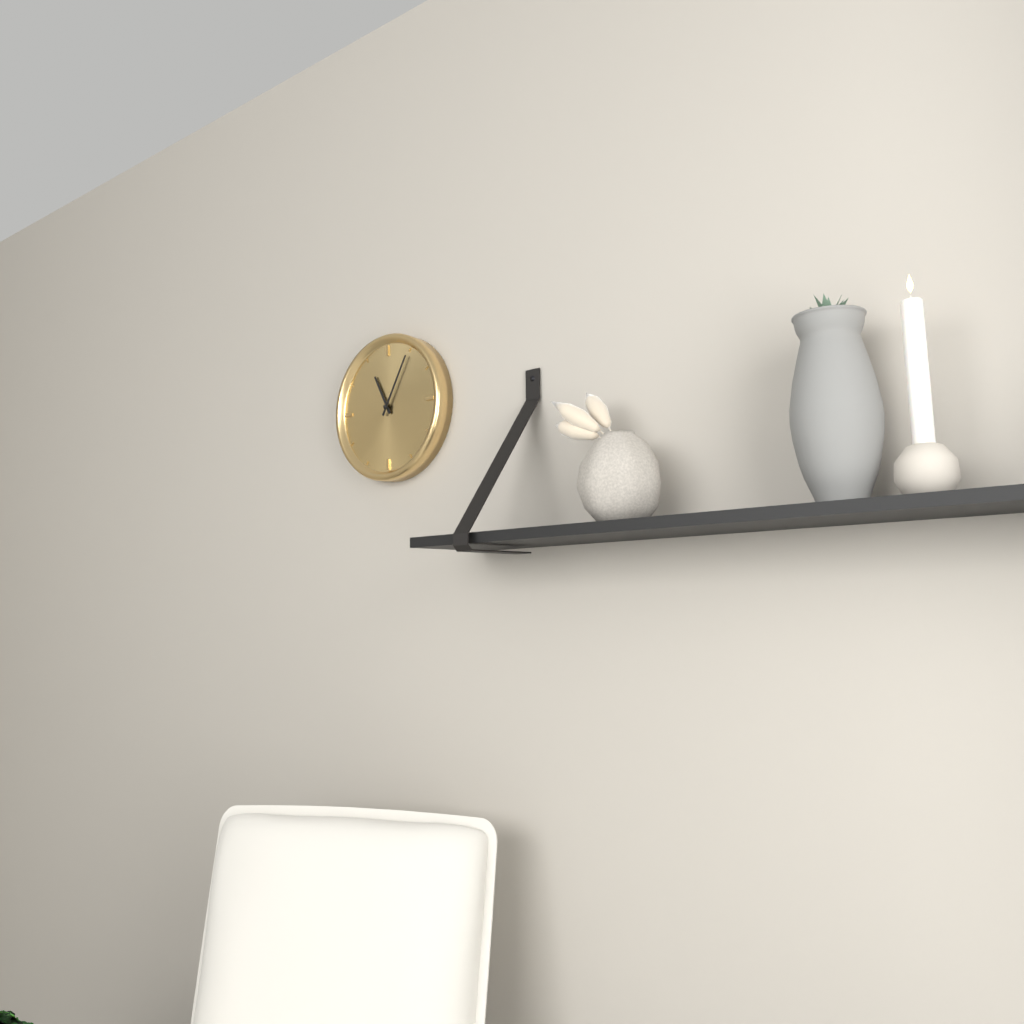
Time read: 11:05
